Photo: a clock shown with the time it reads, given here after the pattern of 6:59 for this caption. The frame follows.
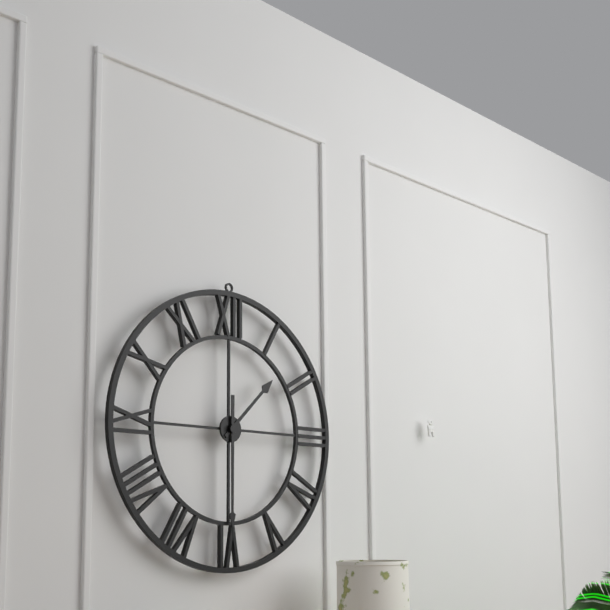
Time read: 1:30
